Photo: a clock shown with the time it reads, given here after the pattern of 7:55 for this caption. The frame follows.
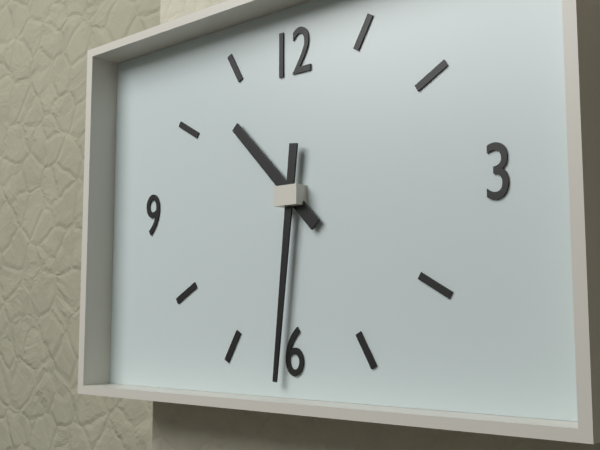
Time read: 10:31
